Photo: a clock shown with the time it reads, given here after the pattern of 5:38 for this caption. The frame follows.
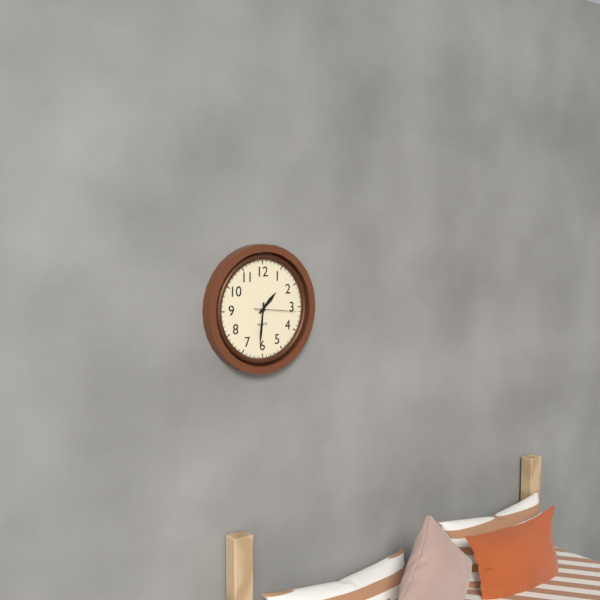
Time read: 1:31
